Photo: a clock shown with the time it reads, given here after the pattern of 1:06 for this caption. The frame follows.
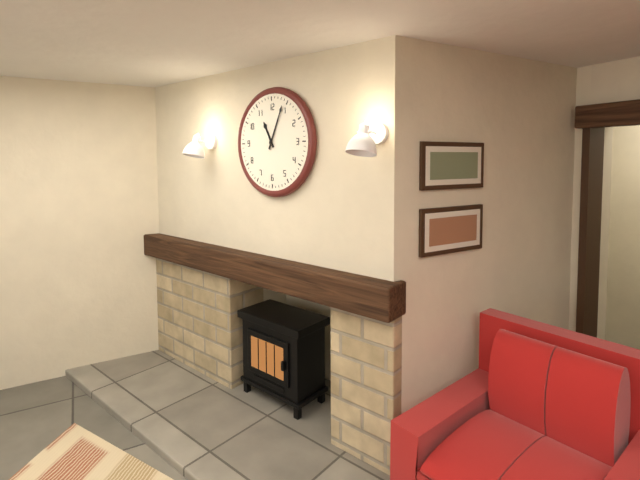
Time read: 11:04
